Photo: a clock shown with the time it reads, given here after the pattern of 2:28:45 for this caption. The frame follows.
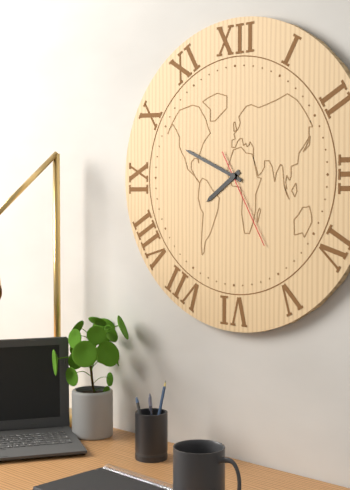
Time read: 7:49:25
